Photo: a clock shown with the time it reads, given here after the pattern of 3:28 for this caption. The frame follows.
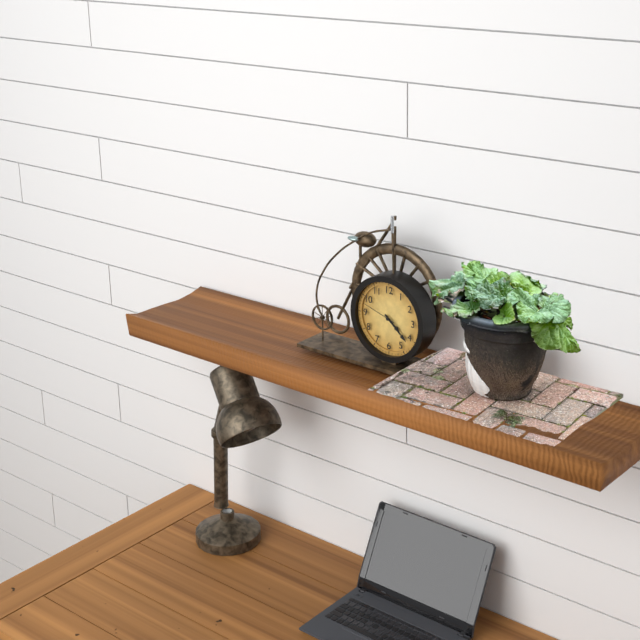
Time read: 4:22
